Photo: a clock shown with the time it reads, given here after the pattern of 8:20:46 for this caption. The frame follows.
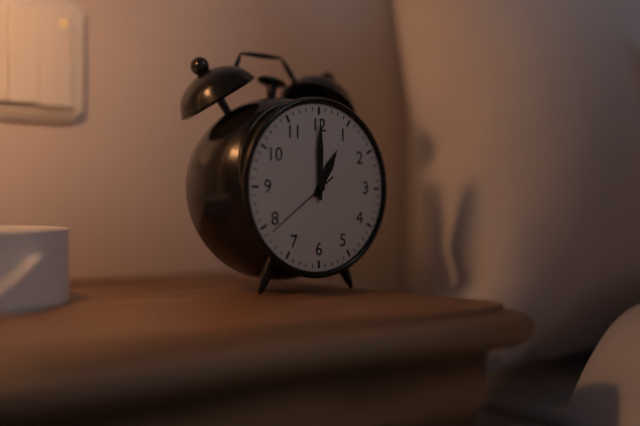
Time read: 1:00:39
